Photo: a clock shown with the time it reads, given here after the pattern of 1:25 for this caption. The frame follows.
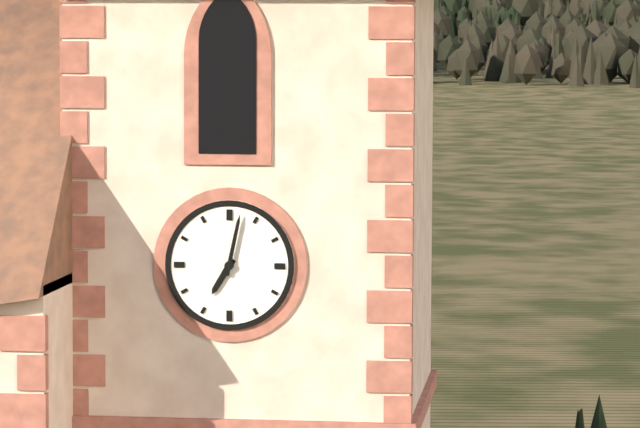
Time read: 7:02
